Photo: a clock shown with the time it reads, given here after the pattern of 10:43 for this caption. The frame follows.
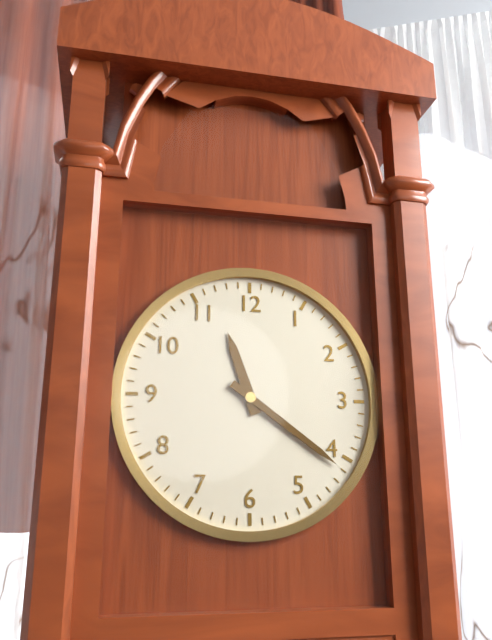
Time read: 11:21
